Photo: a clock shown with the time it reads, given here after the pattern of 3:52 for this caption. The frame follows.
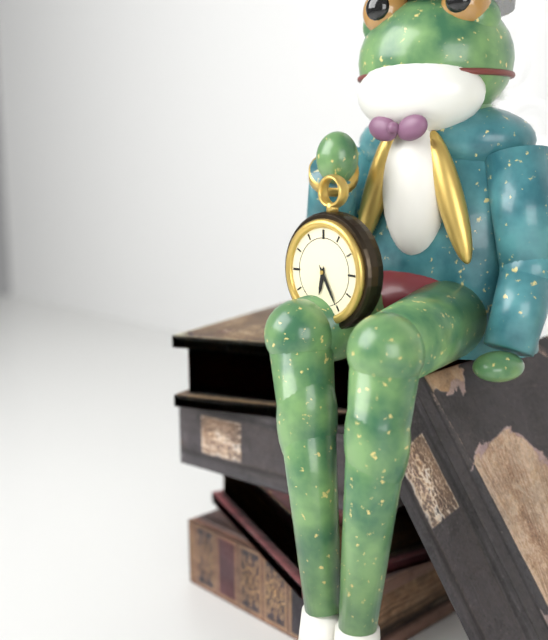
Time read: 6:25
